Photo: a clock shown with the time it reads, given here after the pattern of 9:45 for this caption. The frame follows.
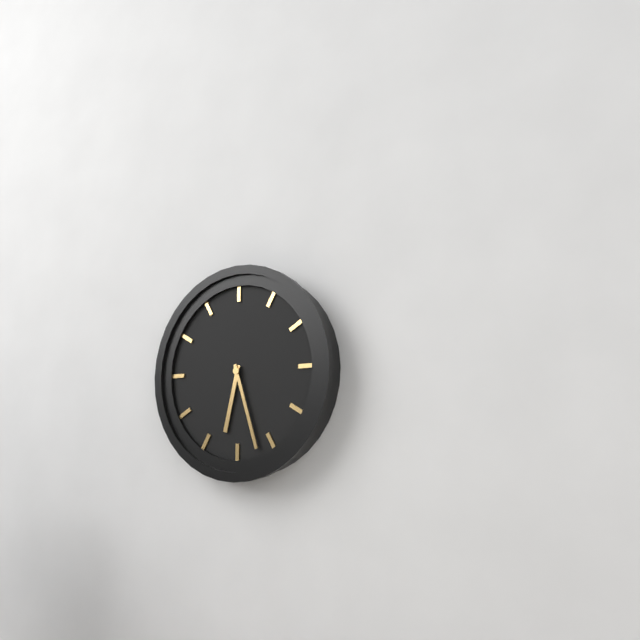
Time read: 6:27
